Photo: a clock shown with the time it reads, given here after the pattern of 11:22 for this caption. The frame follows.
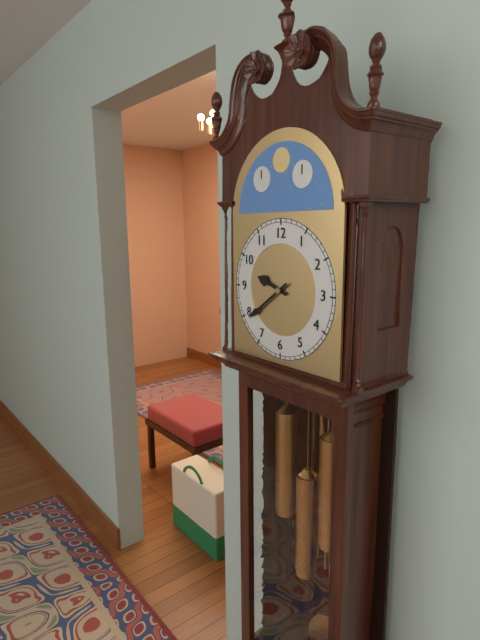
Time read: 9:39
